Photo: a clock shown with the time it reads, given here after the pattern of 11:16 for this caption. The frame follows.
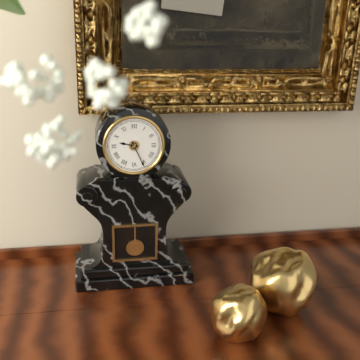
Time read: 9:26
